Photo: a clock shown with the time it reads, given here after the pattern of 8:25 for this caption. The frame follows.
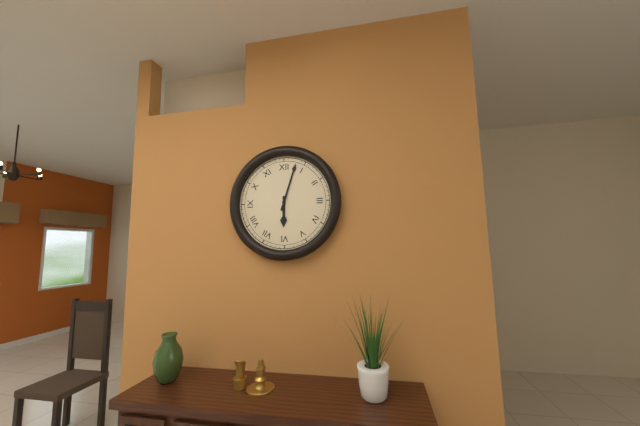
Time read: 6:03
